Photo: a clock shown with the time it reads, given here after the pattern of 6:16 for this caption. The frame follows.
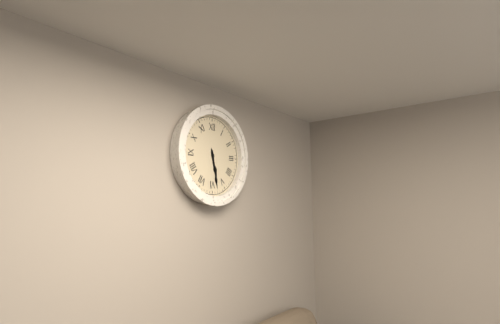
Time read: 5:28
